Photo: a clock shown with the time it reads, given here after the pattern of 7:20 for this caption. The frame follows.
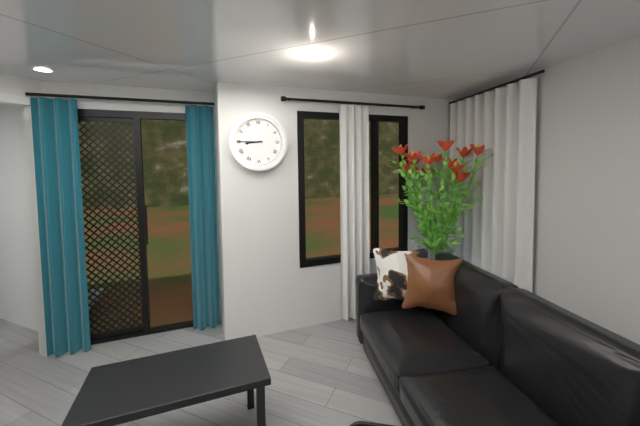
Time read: 8:45
